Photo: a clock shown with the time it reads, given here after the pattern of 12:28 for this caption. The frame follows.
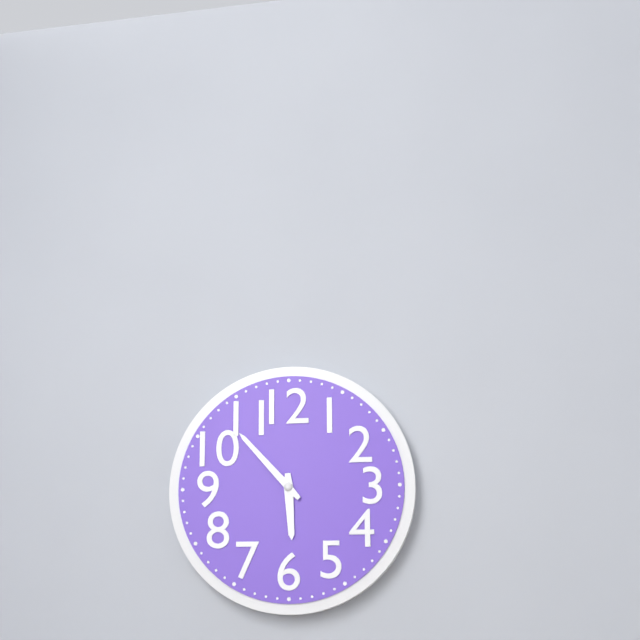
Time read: 5:53
